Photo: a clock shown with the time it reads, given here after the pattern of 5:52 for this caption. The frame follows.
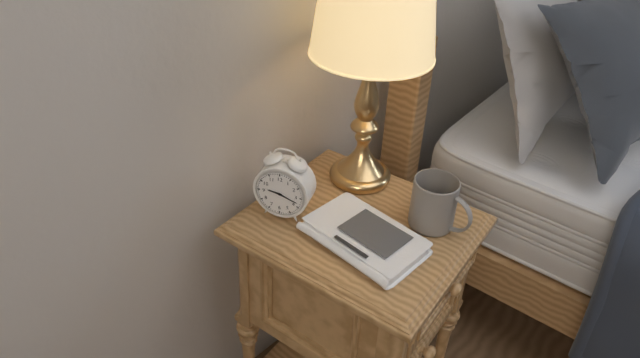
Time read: 9:18
